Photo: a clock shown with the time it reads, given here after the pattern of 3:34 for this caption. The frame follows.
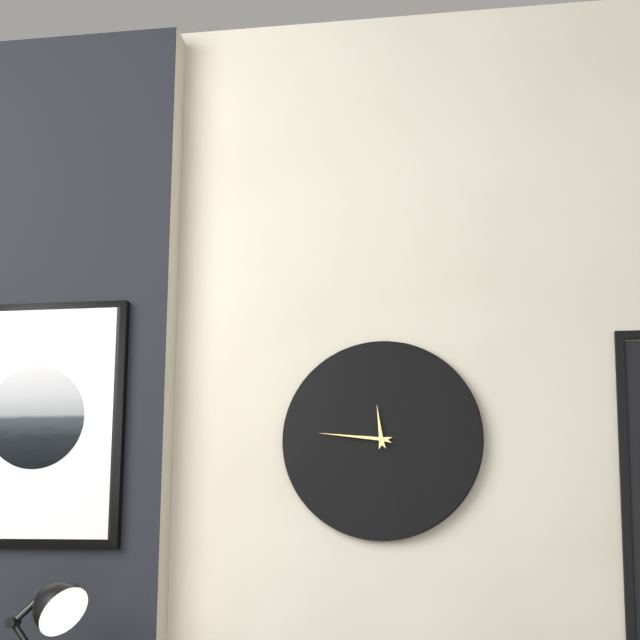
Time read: 11:46
